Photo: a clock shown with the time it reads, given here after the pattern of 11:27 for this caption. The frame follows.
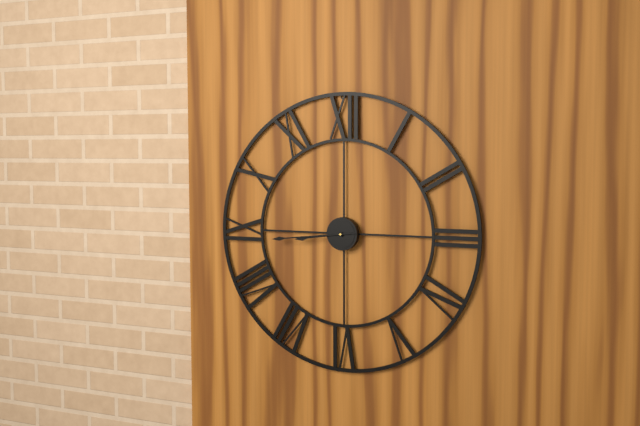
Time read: 8:44
